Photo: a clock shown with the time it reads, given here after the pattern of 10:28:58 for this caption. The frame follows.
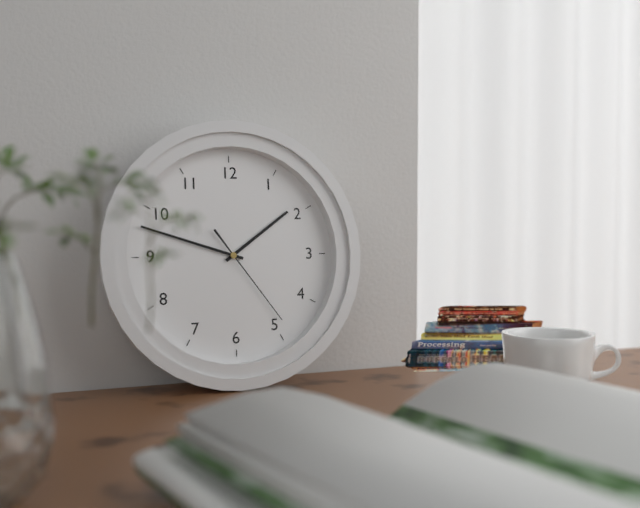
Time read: 1:48:24
